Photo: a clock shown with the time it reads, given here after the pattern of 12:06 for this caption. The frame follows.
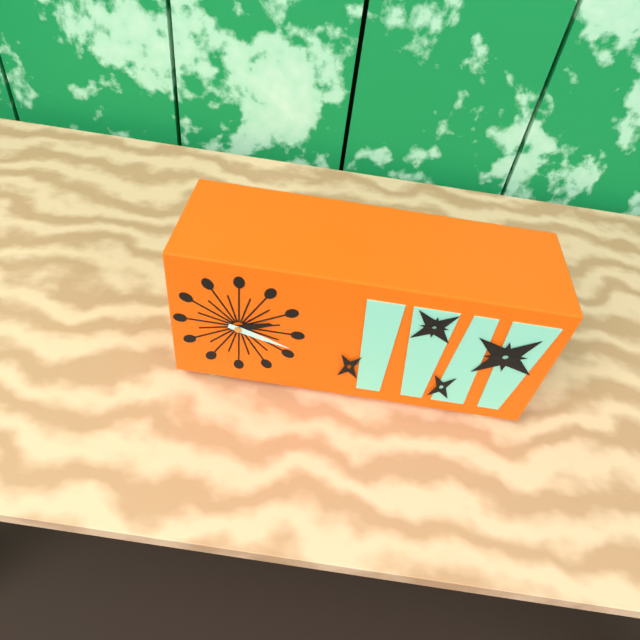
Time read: 2:18
